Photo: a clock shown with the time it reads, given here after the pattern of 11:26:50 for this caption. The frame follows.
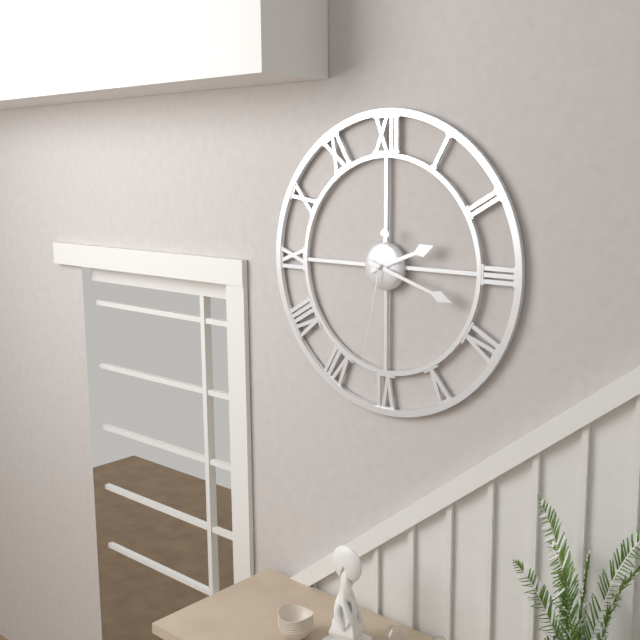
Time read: 2:18:32
